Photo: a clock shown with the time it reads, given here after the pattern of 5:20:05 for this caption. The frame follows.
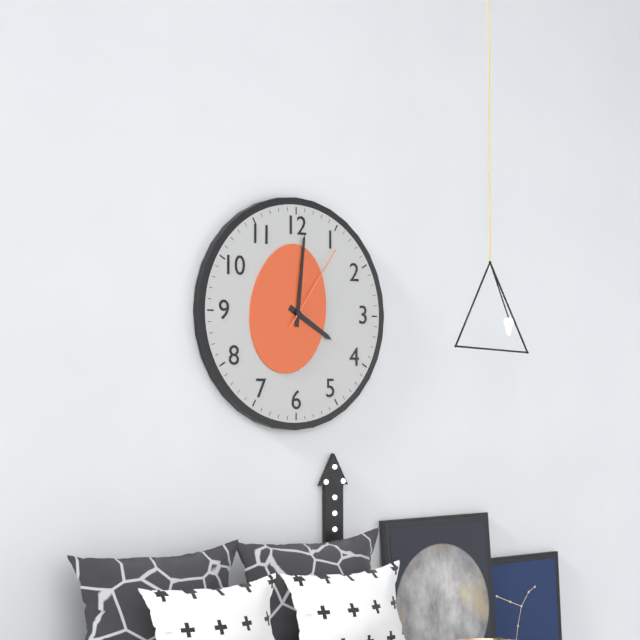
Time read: 4:01:06
